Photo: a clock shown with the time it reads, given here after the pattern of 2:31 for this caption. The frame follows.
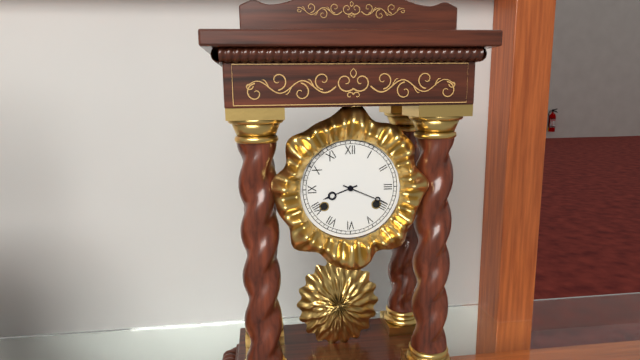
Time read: 8:19
